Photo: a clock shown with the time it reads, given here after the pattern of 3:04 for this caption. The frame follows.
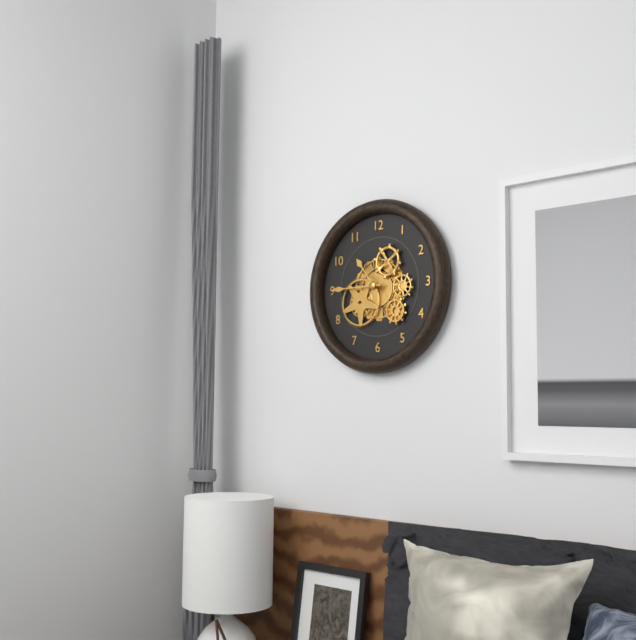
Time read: 10:45
